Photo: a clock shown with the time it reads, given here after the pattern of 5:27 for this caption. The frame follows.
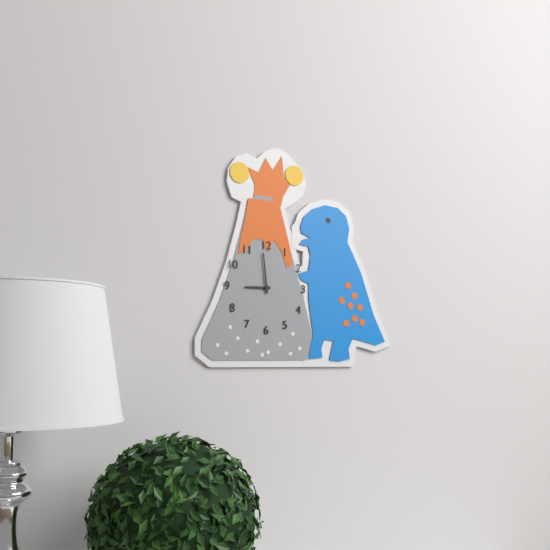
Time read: 8:59
